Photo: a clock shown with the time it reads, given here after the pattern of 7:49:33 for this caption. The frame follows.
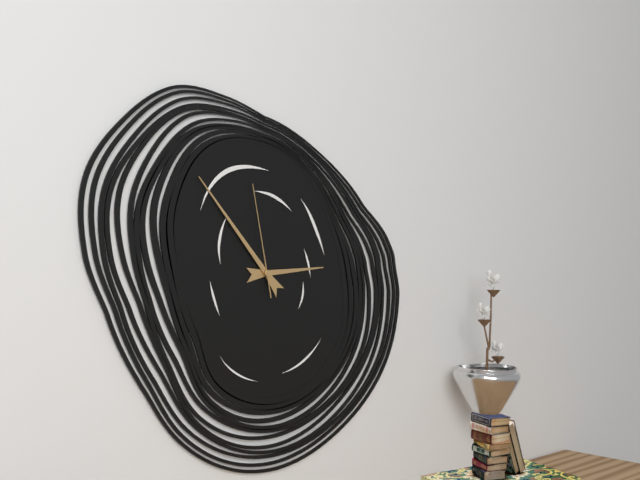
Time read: 2:53:58
